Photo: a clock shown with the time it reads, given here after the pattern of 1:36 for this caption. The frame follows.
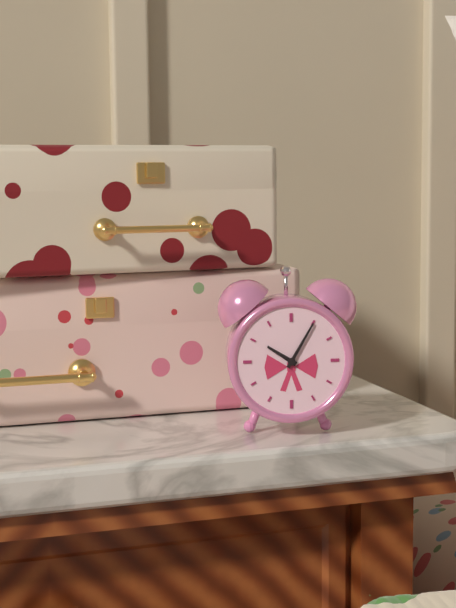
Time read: 10:05
